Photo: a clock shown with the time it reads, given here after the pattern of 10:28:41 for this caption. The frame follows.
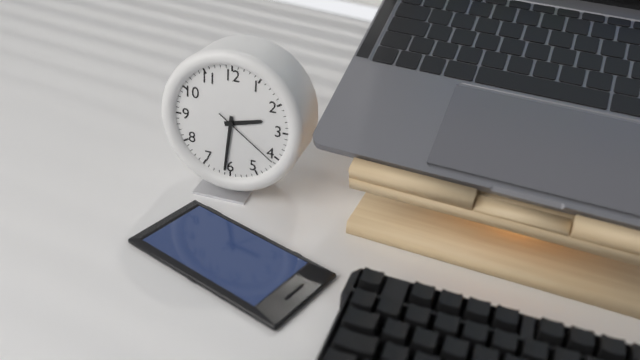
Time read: 2:31:21
